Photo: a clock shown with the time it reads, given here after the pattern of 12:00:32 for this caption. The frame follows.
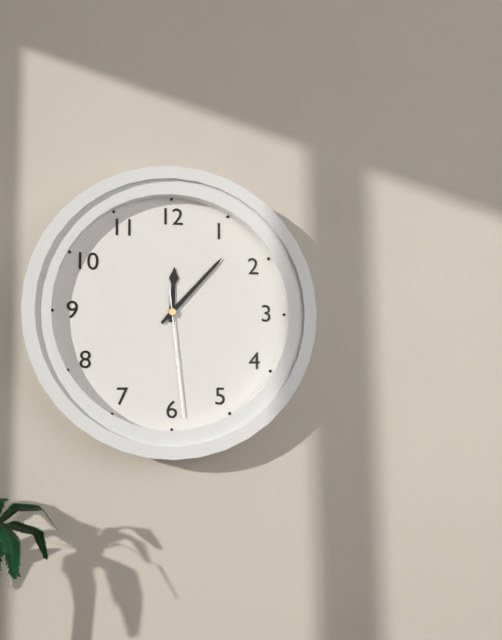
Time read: 12:07:29
